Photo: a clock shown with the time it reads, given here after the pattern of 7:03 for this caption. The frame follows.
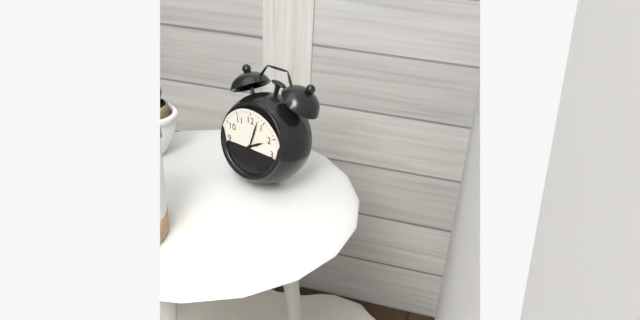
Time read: 2:03
